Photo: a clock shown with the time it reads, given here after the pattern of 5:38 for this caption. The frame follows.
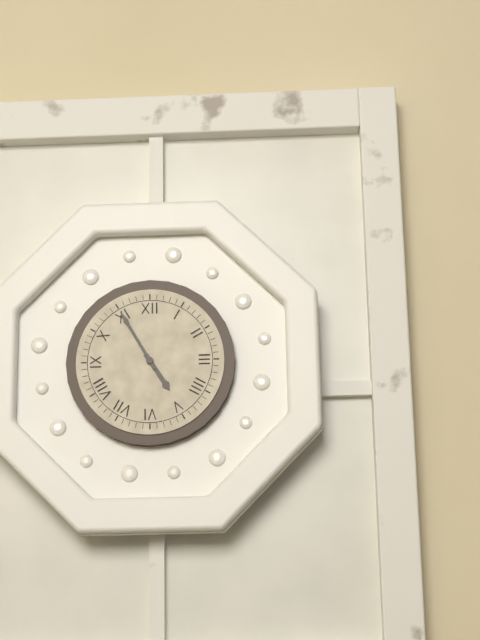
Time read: 4:55
